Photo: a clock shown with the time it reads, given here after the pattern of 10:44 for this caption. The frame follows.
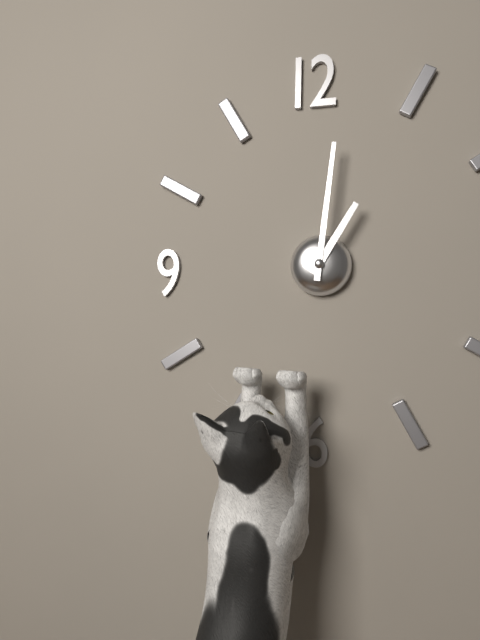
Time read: 1:01
